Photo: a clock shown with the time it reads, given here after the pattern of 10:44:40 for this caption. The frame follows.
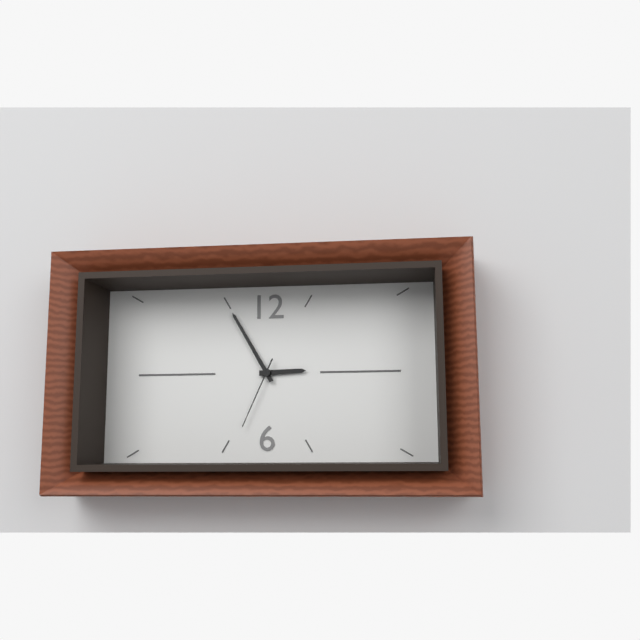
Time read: 2:55:34
